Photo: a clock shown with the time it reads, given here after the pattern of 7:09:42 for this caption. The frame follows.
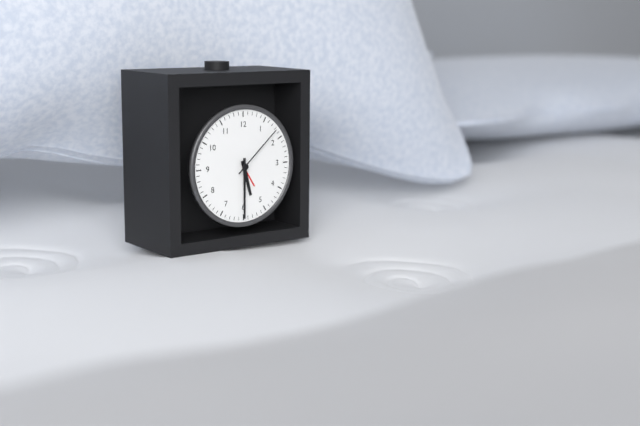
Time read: 5:30:08
